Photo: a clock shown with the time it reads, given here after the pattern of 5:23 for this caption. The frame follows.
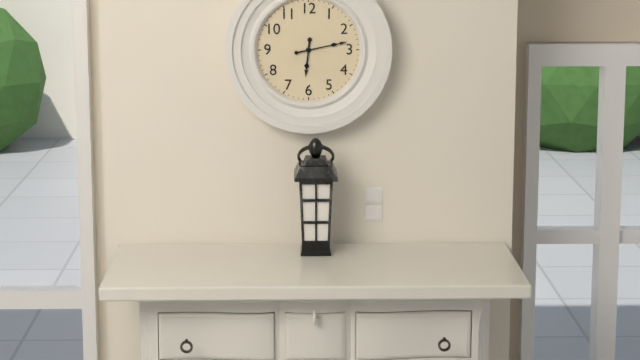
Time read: 6:13
